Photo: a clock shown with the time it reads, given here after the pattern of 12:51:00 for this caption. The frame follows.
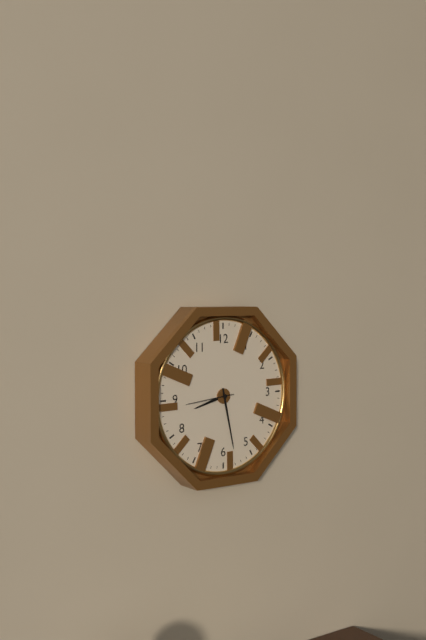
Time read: 8:28:44
